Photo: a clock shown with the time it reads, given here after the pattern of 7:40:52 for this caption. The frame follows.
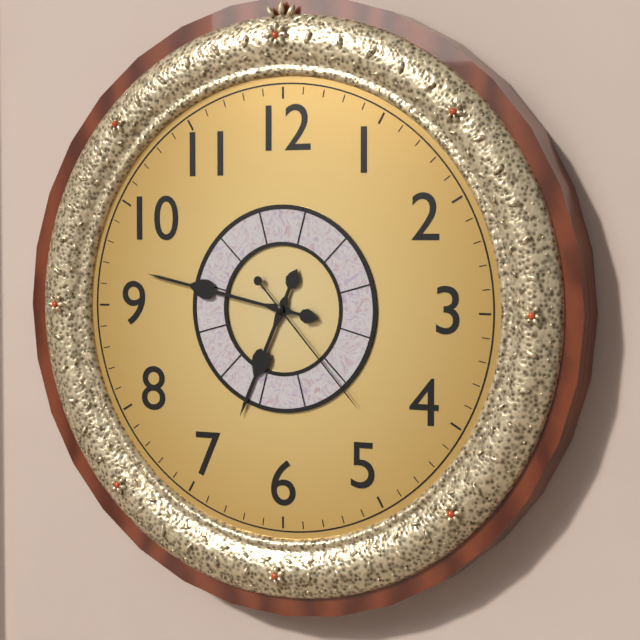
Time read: 6:47:23
